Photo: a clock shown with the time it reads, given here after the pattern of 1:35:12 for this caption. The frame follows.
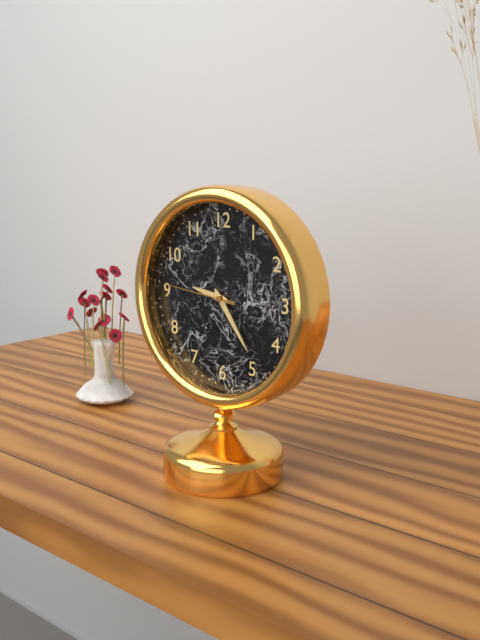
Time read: 9:24:46
